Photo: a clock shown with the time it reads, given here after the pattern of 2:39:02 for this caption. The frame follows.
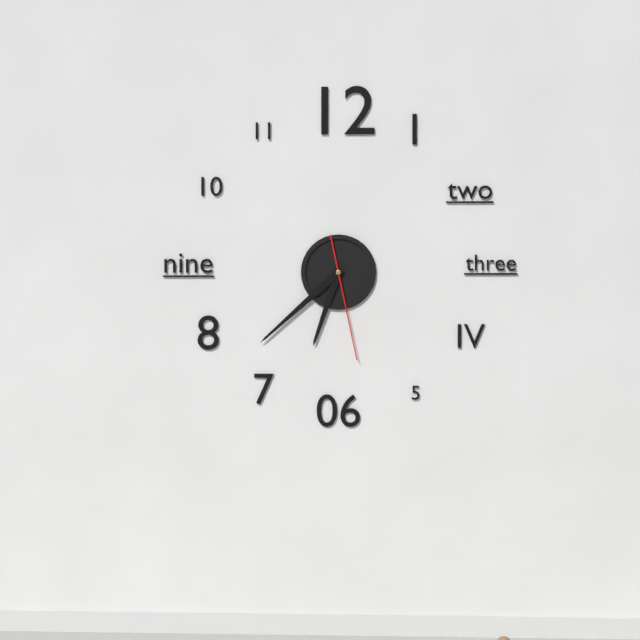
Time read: 6:38:28
